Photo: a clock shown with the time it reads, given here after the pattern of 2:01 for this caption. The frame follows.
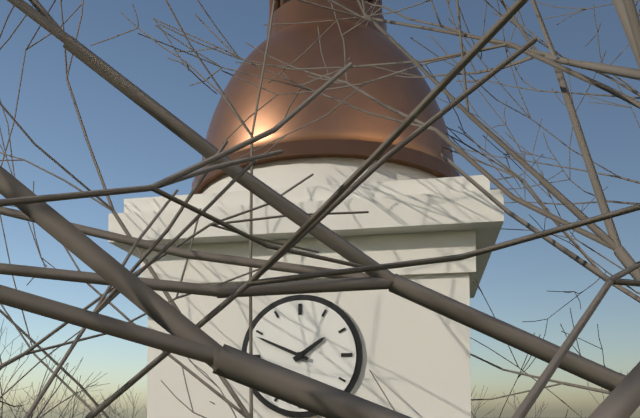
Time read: 1:49
